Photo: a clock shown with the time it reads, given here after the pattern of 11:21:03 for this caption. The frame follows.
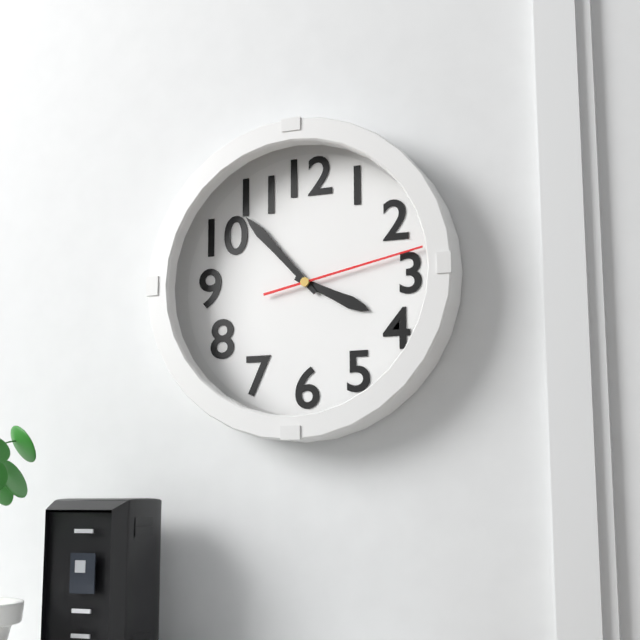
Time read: 3:53:13
